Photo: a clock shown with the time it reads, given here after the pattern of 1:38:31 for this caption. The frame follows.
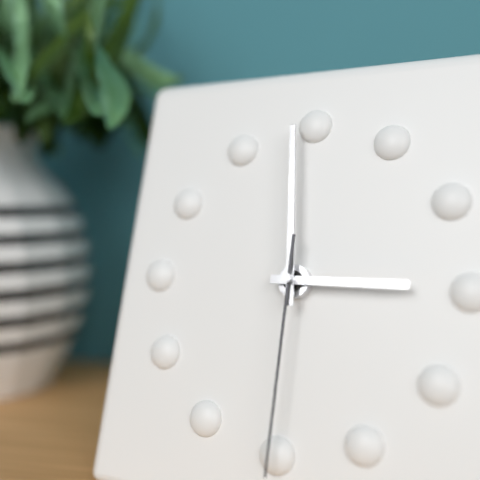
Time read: 2:59:30
